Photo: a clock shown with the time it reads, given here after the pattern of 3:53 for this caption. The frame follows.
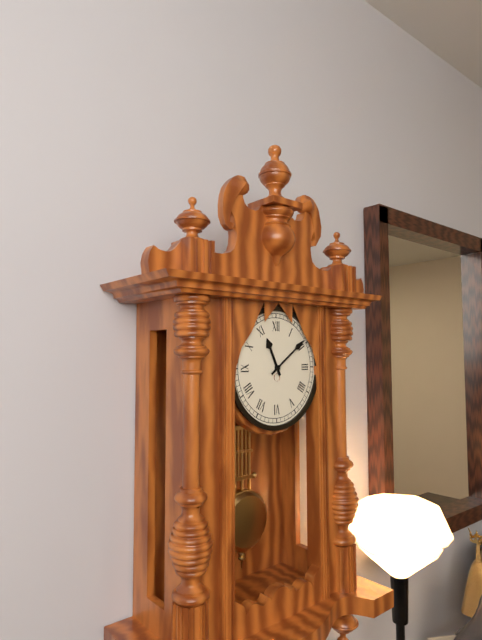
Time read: 11:09
